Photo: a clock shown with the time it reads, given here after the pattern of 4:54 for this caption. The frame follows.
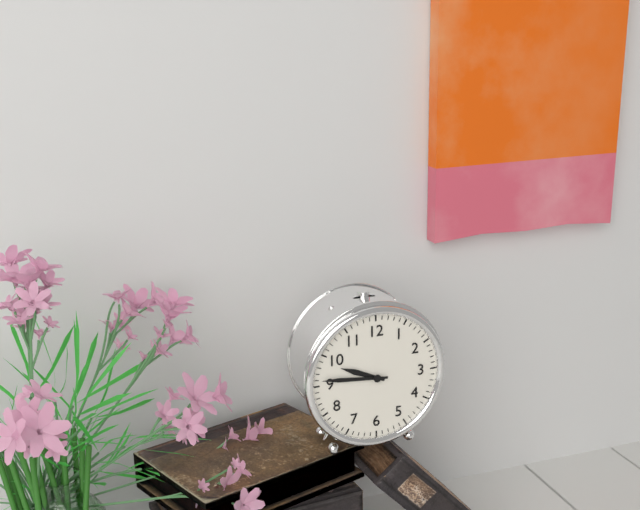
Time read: 9:46
